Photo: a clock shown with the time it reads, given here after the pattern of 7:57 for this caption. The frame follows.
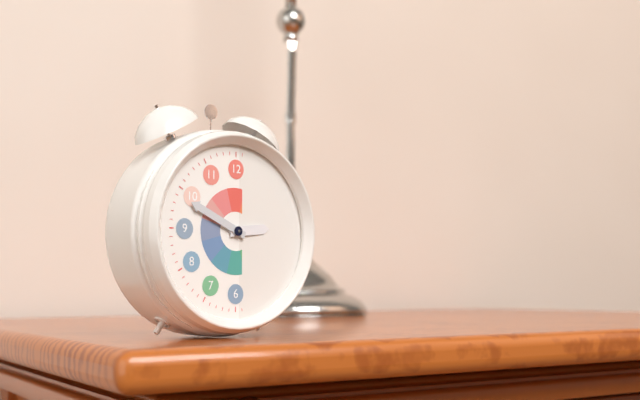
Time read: 2:49
